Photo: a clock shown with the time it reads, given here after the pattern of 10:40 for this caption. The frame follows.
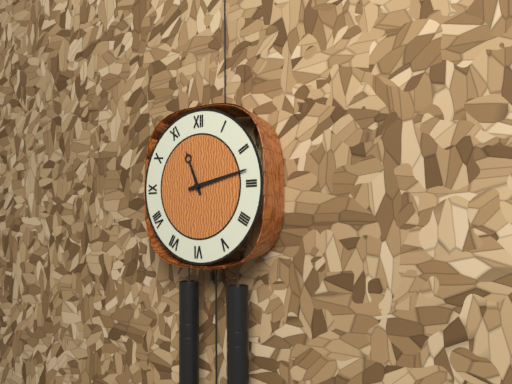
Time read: 11:13
